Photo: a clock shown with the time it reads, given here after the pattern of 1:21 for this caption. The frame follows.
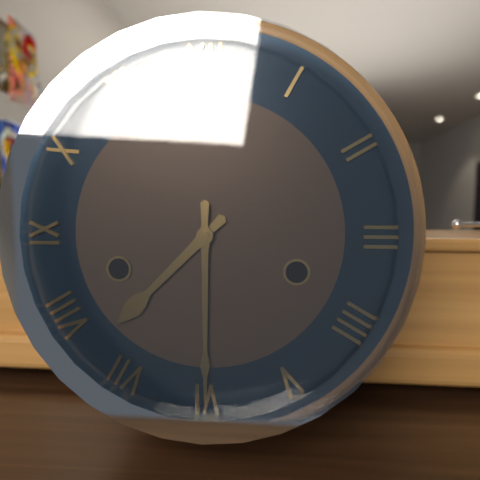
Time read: 7:30
